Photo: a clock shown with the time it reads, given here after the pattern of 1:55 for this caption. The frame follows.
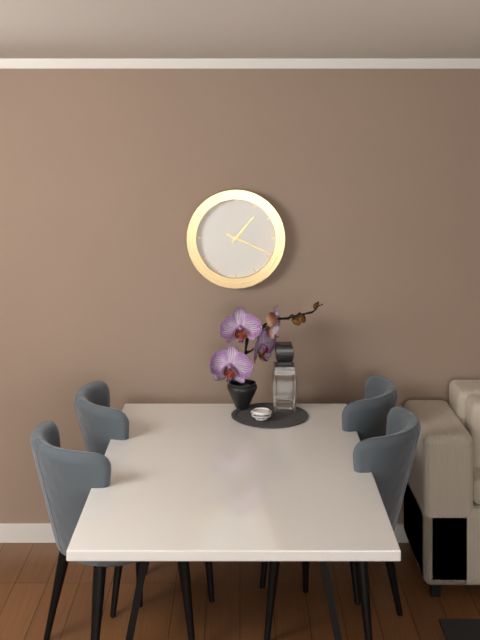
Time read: 1:19
